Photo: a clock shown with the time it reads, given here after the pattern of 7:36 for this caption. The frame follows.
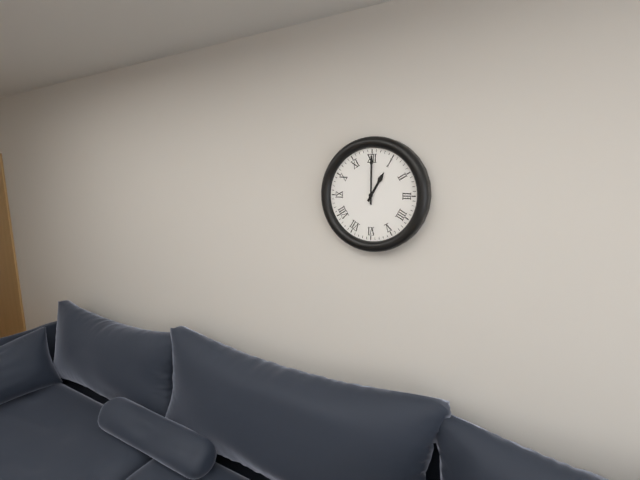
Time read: 1:00
